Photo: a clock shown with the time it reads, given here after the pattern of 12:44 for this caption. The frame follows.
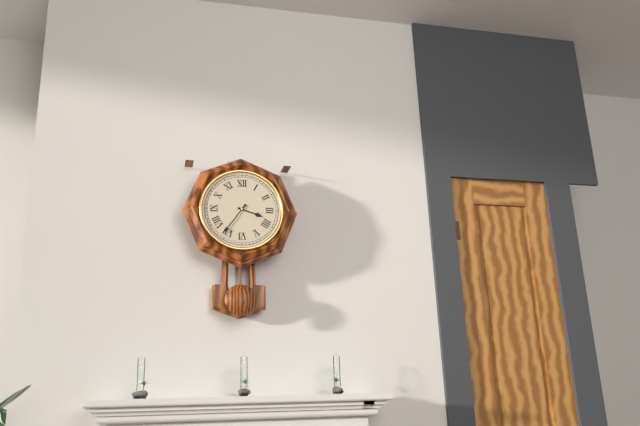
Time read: 3:36
